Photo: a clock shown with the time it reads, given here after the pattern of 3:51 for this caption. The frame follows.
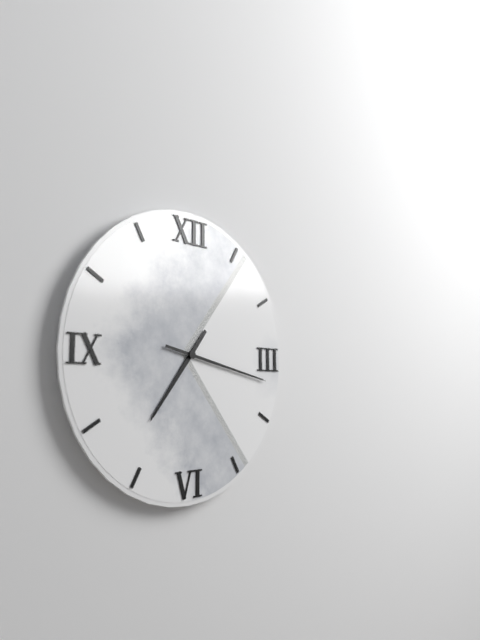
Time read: 7:17
